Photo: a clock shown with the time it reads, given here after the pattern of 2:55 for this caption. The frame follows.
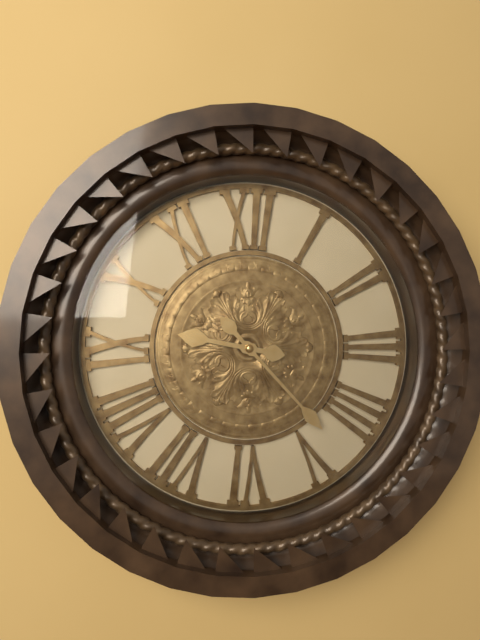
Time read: 9:23
